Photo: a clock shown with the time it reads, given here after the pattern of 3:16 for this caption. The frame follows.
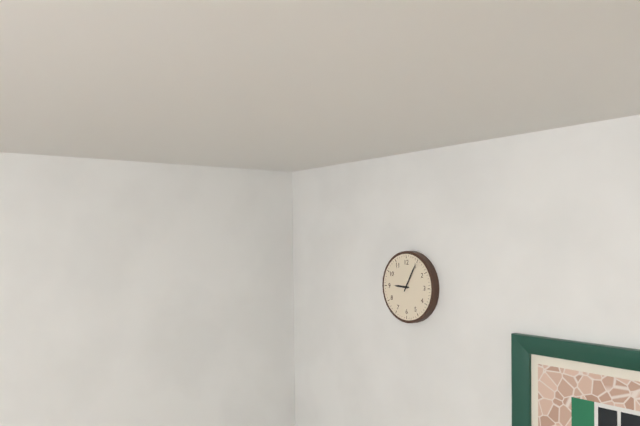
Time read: 9:05
